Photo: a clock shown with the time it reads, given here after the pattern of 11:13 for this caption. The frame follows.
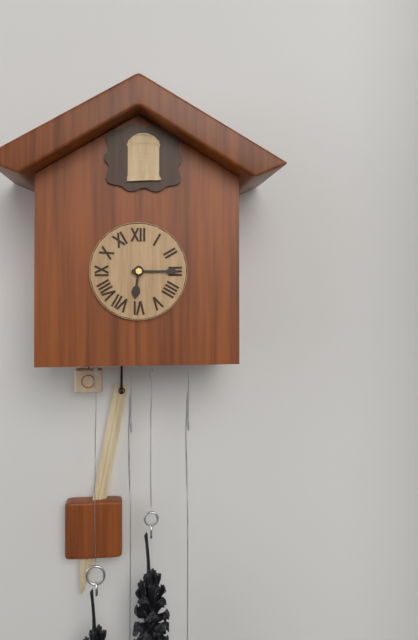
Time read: 6:15
